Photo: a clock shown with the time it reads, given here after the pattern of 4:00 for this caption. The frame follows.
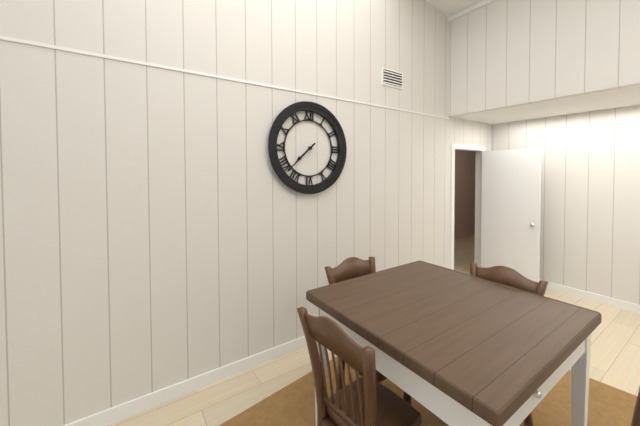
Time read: 7:38
